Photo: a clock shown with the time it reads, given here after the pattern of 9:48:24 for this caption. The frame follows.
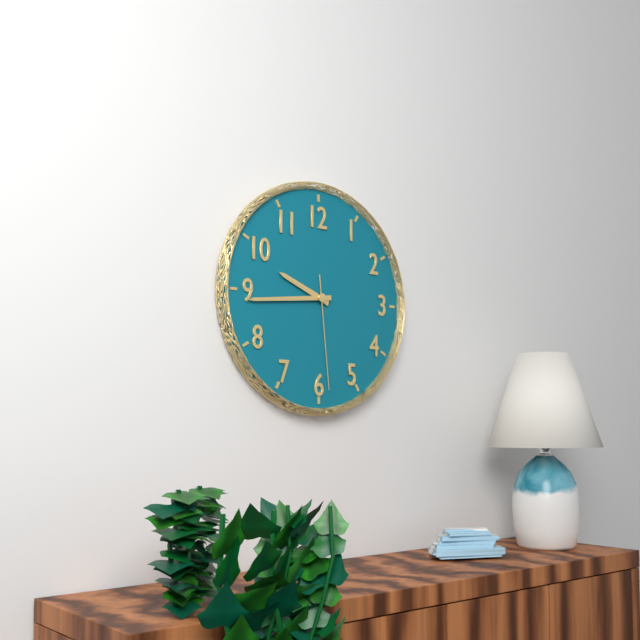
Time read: 9:44:29
